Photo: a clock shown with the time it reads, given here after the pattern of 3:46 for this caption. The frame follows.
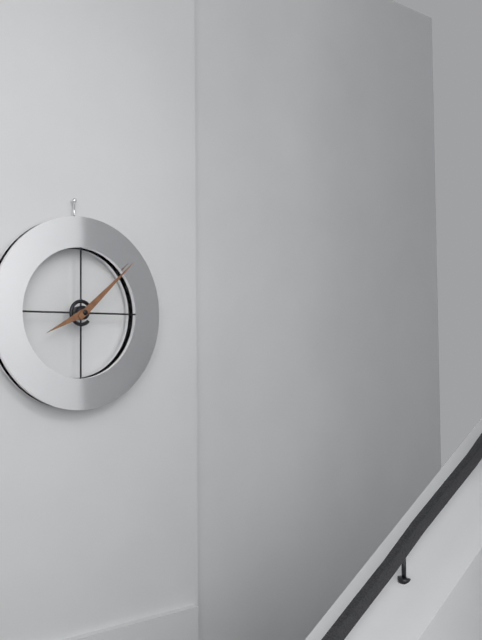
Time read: 8:08
